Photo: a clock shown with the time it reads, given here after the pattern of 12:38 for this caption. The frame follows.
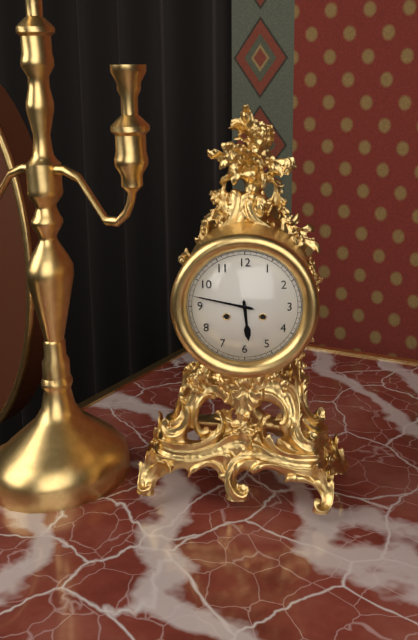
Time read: 5:47
